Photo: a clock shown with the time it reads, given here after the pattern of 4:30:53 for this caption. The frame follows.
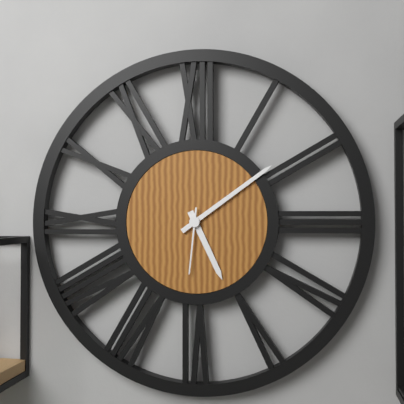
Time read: 5:09:31
